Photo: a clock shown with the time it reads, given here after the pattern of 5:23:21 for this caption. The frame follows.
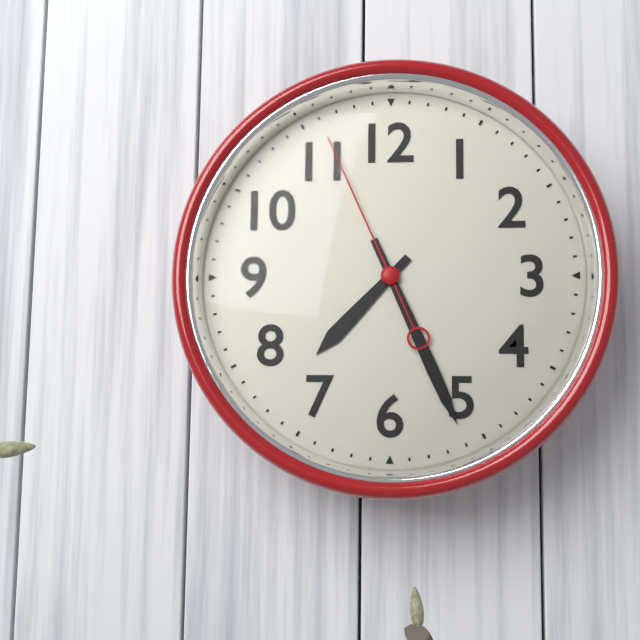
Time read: 7:26:56
